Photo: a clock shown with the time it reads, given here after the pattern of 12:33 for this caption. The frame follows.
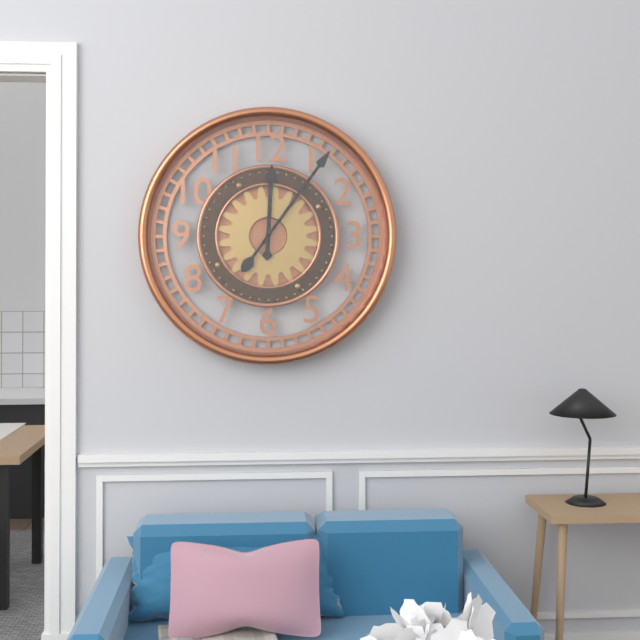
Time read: 12:06
